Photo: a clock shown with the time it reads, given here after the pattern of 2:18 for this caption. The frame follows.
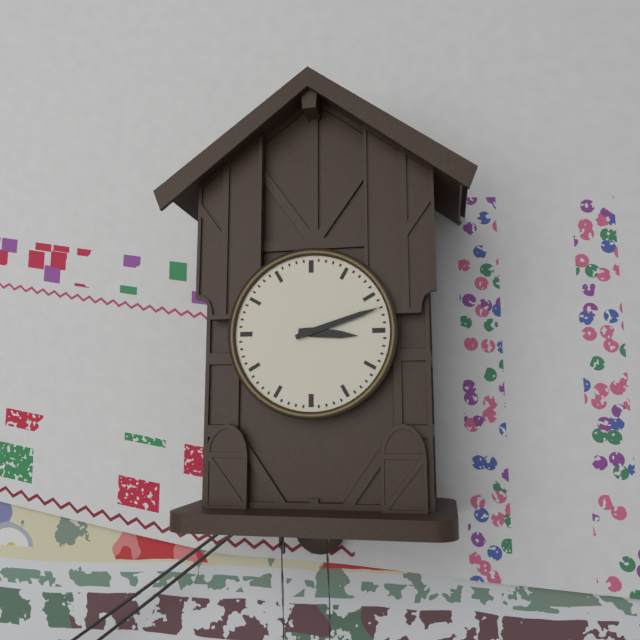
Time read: 3:12
